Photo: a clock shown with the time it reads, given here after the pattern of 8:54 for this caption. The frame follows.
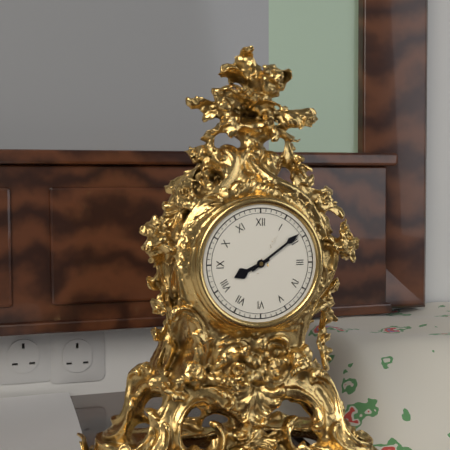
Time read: 8:09
